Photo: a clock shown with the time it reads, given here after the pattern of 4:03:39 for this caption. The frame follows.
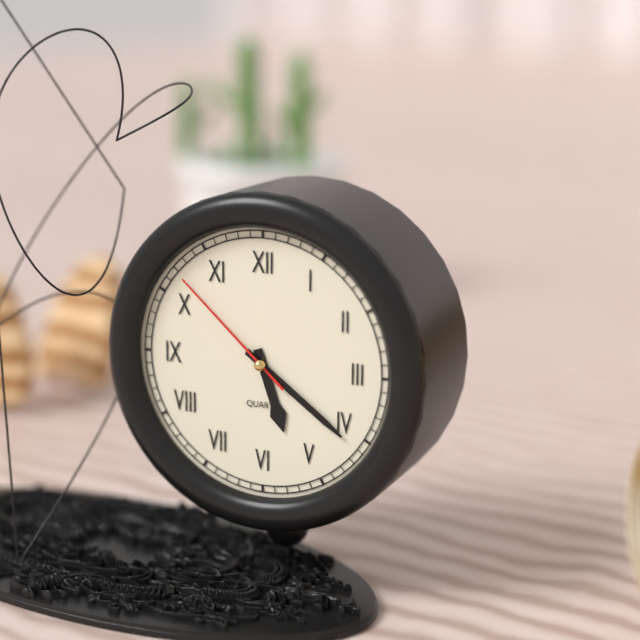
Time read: 5:21:52
